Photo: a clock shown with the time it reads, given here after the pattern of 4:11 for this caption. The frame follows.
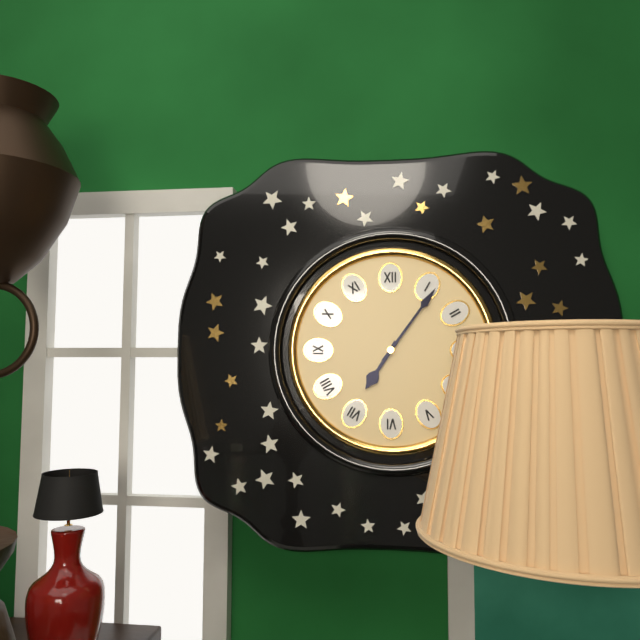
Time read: 7:06
